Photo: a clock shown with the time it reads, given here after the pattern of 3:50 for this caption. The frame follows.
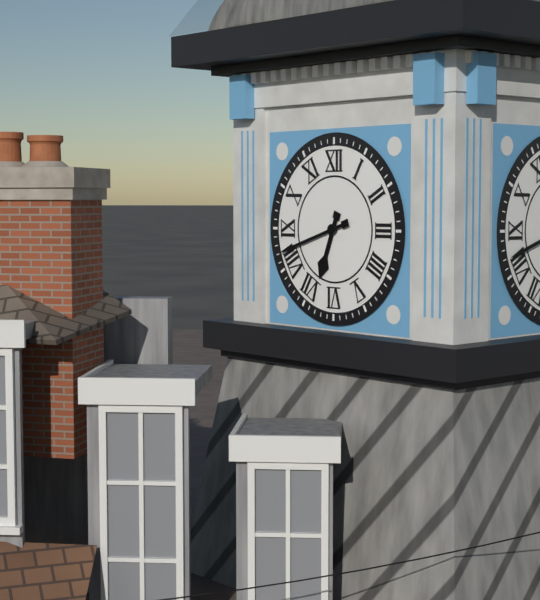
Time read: 6:42
